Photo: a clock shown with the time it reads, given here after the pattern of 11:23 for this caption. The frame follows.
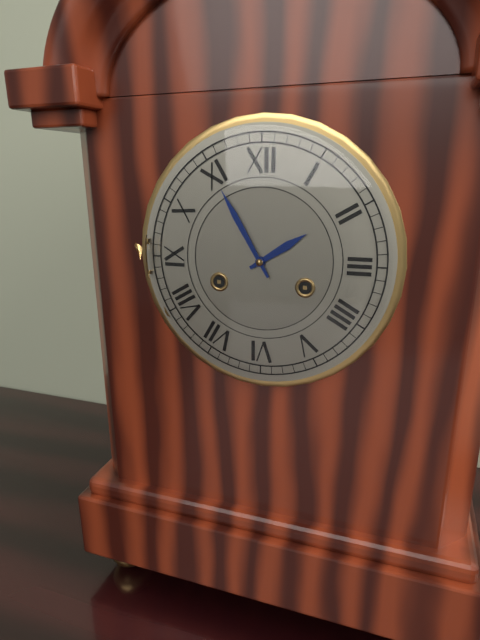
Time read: 1:55
